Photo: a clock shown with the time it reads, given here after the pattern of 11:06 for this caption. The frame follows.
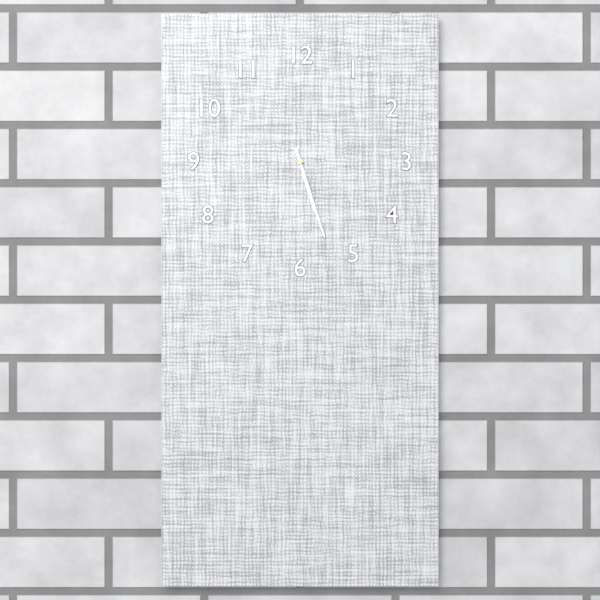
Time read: 5:27
